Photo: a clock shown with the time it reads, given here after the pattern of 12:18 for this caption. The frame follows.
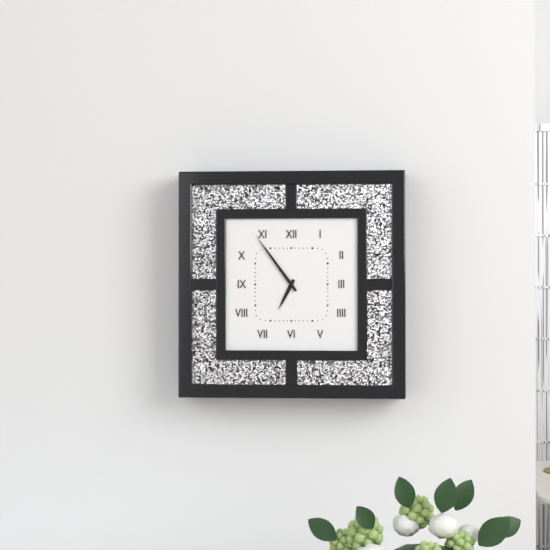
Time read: 6:54
